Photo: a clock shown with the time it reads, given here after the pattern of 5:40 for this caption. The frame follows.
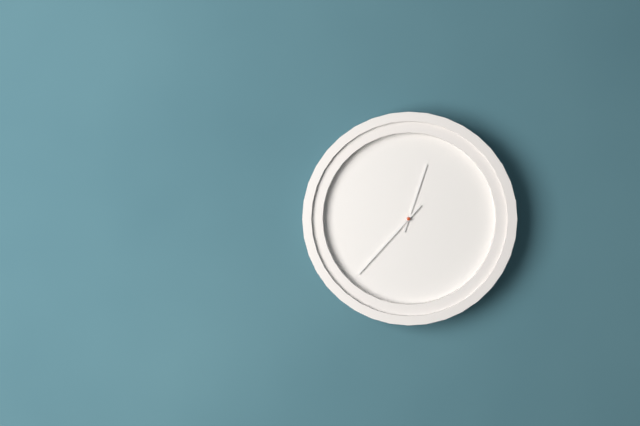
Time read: 12:37
